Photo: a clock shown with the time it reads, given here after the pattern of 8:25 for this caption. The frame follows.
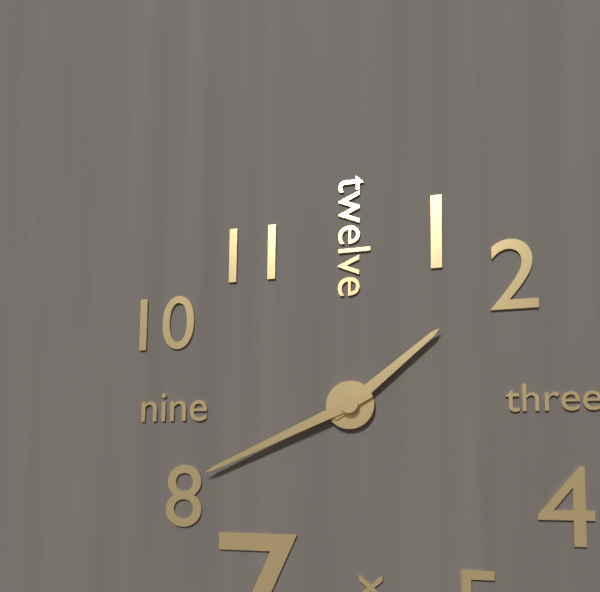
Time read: 1:41
